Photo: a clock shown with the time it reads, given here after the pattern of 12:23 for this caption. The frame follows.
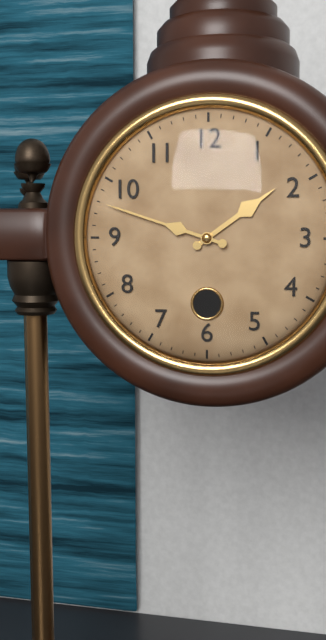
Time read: 1:48
